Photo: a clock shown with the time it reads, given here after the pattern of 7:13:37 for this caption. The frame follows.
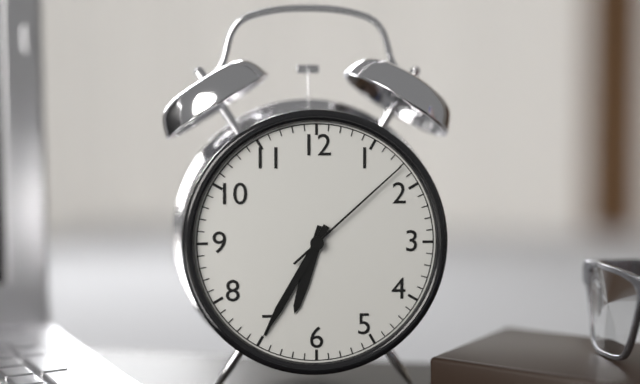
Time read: 6:35:08
